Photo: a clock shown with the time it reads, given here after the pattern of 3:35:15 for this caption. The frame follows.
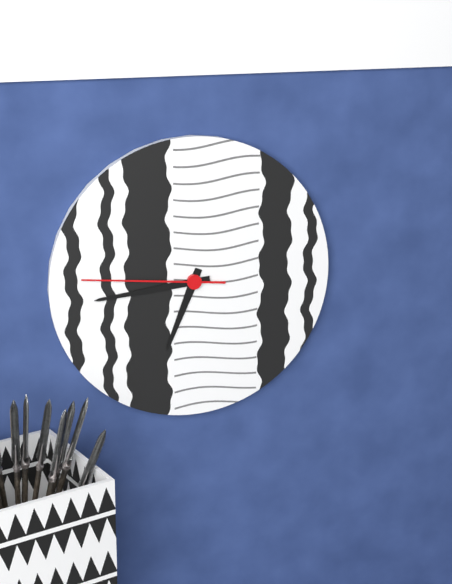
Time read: 6:44:46
